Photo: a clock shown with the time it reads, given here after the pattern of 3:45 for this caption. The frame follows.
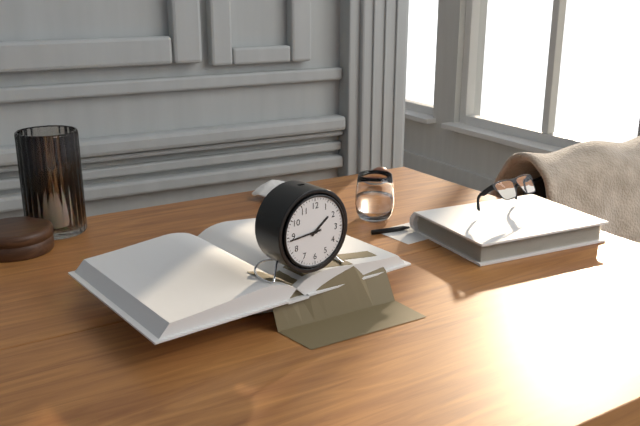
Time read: 1:44
